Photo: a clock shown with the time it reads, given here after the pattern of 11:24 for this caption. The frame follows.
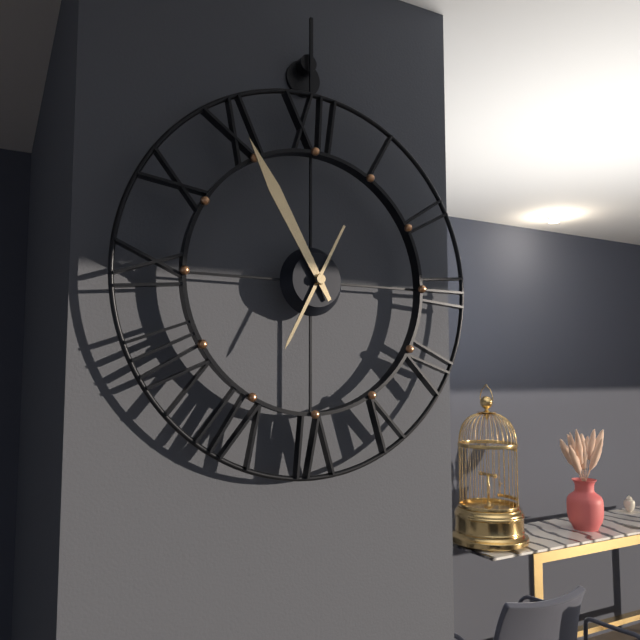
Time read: 6:55
